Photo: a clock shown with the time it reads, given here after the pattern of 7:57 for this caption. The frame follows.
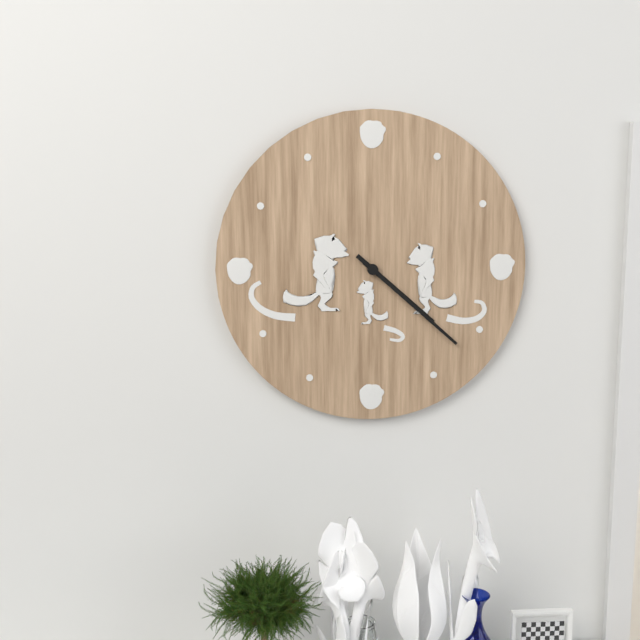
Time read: 4:22
